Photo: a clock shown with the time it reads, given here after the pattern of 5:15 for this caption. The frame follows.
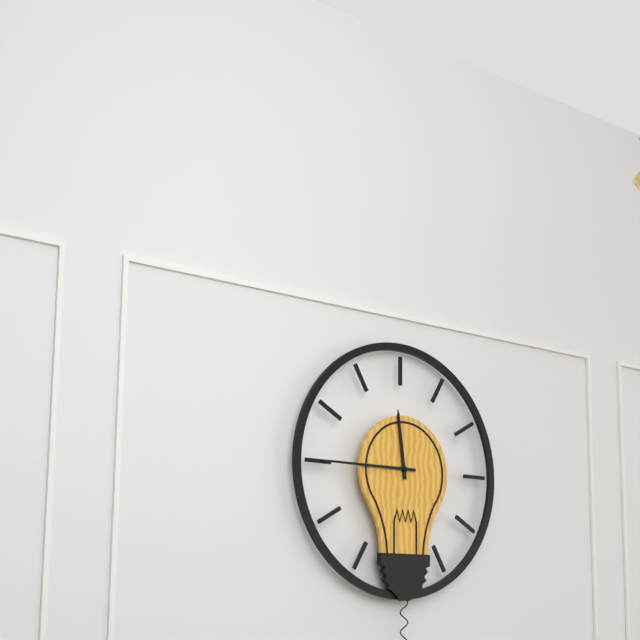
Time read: 11:45
